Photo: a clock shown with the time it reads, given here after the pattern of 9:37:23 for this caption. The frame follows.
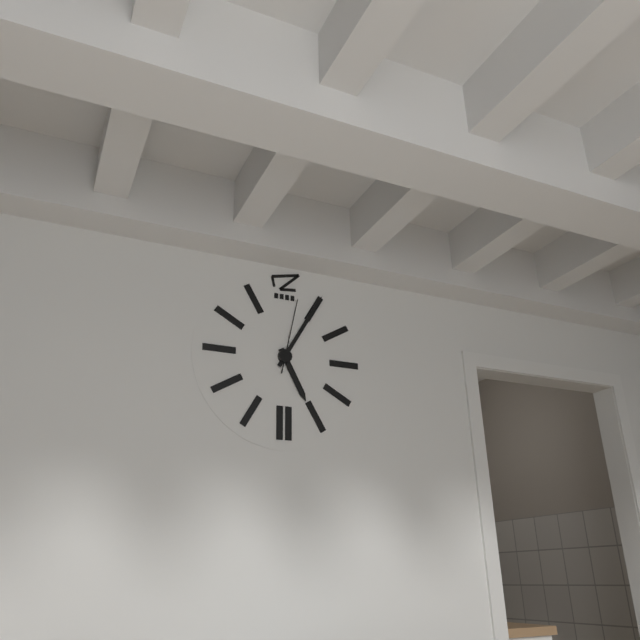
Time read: 5:05:02
